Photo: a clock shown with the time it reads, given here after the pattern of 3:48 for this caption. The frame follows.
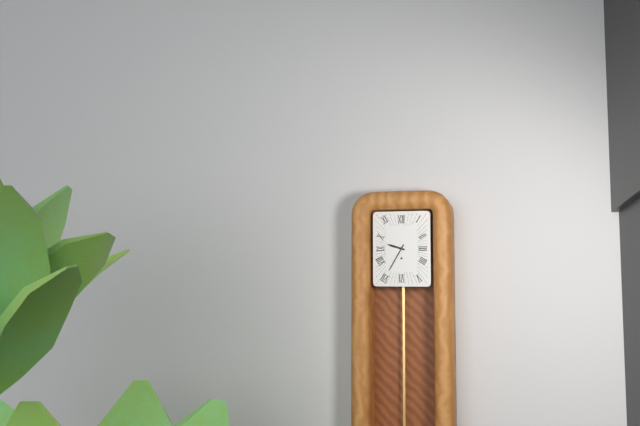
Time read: 9:35
